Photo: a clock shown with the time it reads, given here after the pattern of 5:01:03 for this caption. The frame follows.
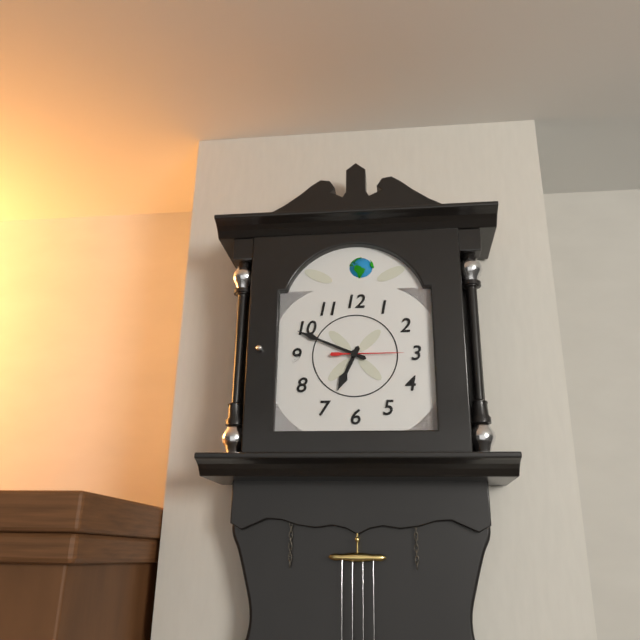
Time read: 6:49:15
